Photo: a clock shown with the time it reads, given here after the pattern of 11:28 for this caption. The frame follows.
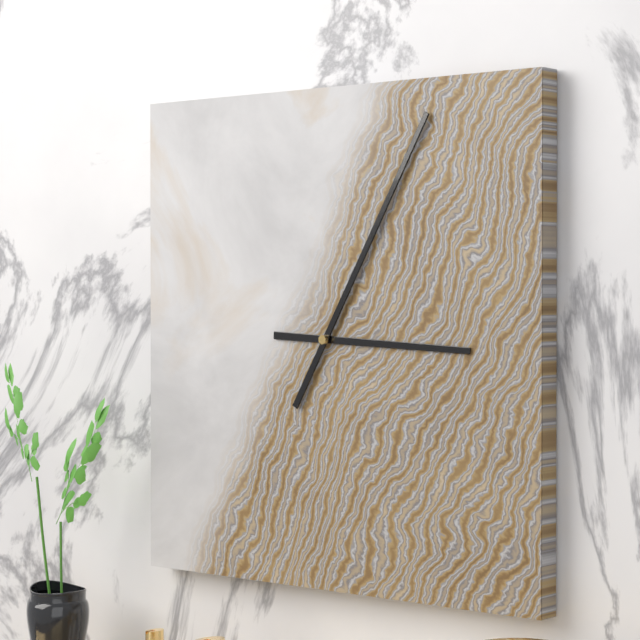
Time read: 3:05
